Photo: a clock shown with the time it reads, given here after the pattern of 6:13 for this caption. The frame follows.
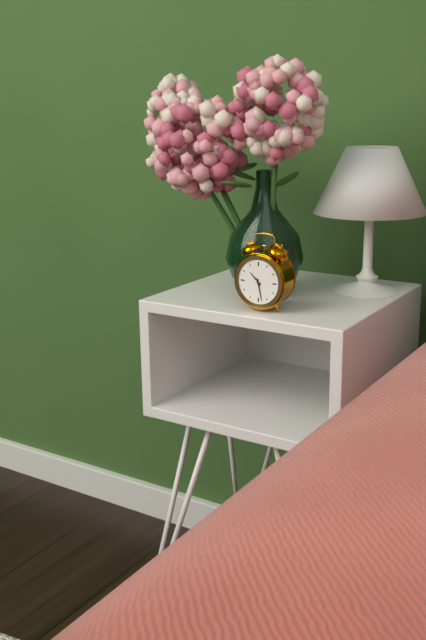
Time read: 10:28
